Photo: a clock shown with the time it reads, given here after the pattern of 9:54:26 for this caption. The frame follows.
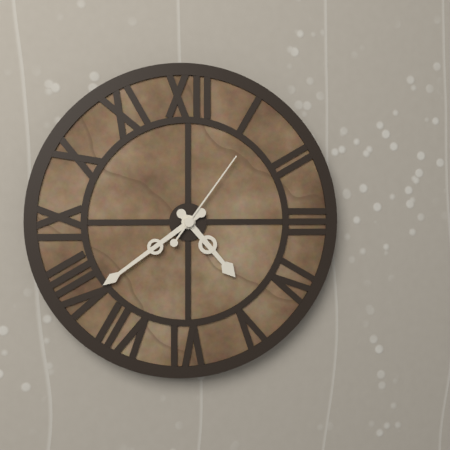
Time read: 4:39:06
